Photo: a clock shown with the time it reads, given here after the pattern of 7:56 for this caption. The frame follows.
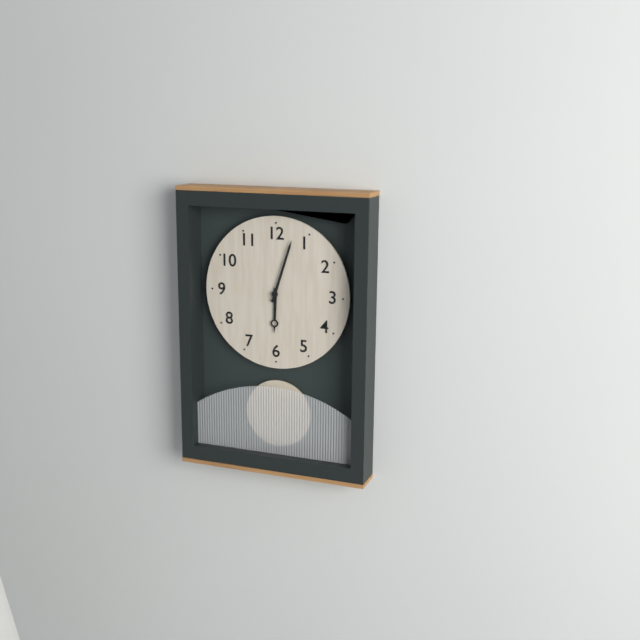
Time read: 6:03
